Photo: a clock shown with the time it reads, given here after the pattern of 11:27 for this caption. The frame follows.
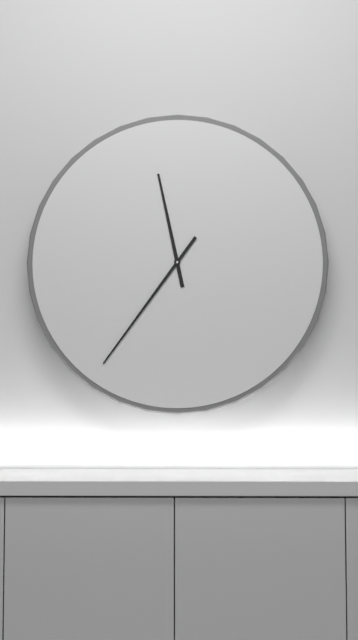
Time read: 11:36
